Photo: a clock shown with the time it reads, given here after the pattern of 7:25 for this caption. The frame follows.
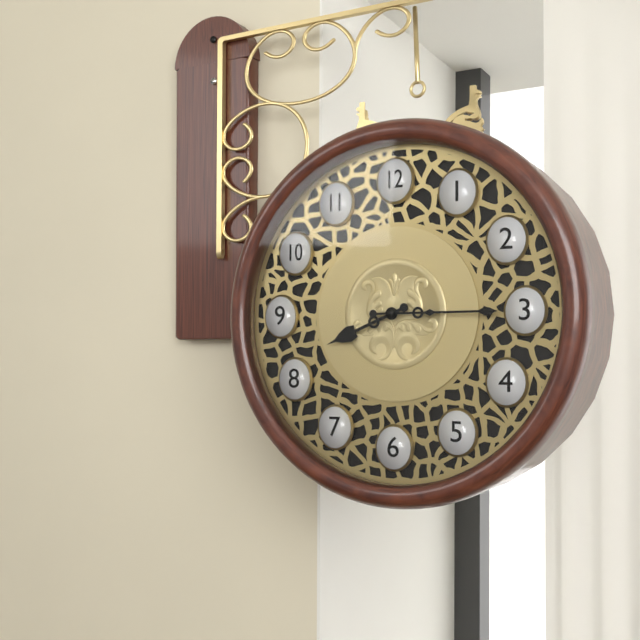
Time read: 8:15
